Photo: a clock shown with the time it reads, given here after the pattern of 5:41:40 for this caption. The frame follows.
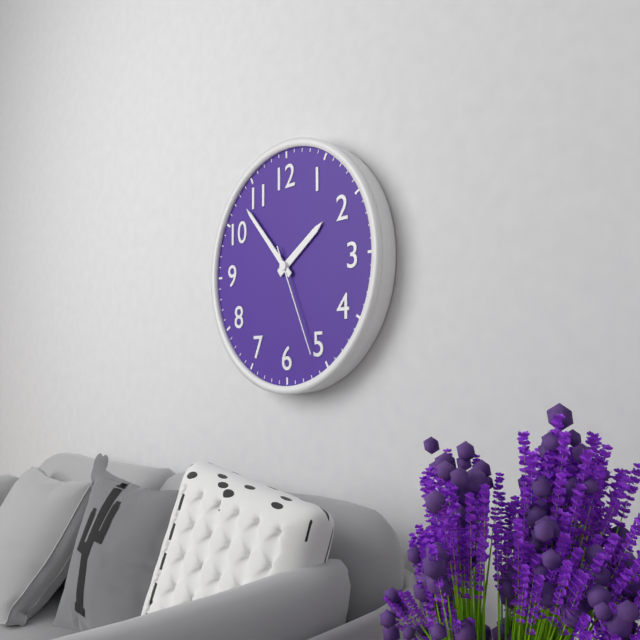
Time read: 1:53:26
